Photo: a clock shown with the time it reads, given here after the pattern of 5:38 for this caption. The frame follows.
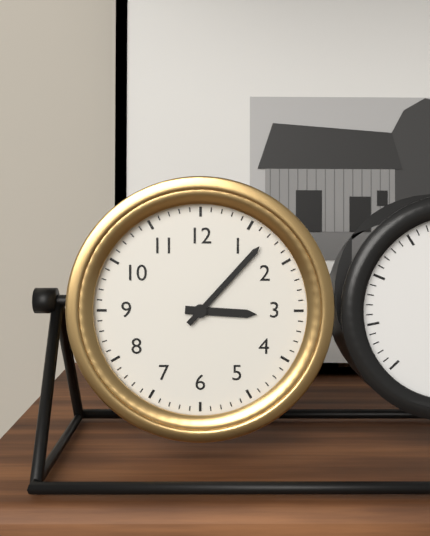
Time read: 3:07
